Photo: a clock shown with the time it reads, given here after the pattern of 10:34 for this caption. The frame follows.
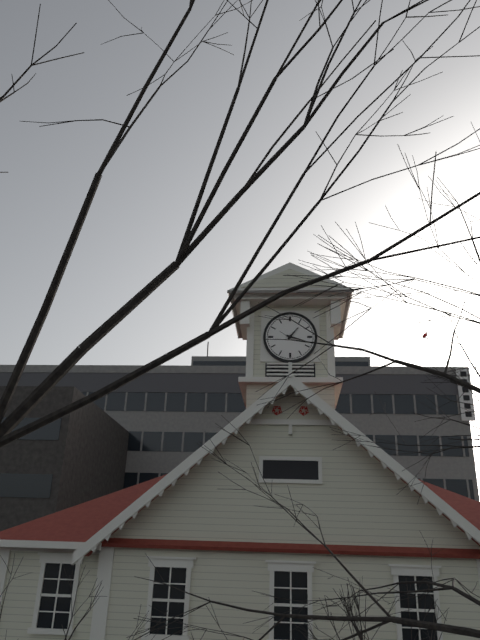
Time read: 1:18
